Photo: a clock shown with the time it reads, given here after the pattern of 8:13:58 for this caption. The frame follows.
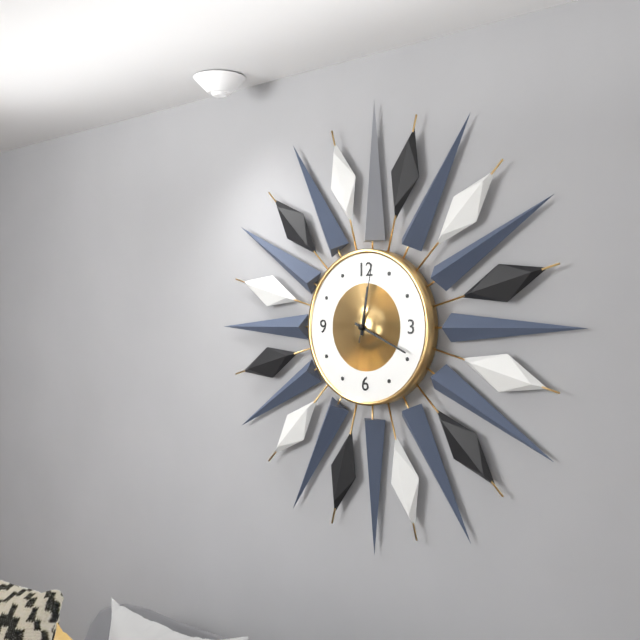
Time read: 12:19:02
